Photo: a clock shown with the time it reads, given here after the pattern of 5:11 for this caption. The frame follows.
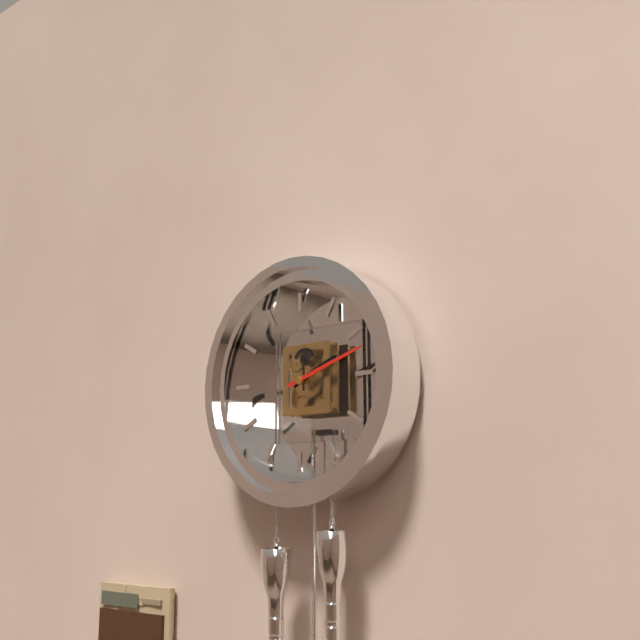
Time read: 2:12
